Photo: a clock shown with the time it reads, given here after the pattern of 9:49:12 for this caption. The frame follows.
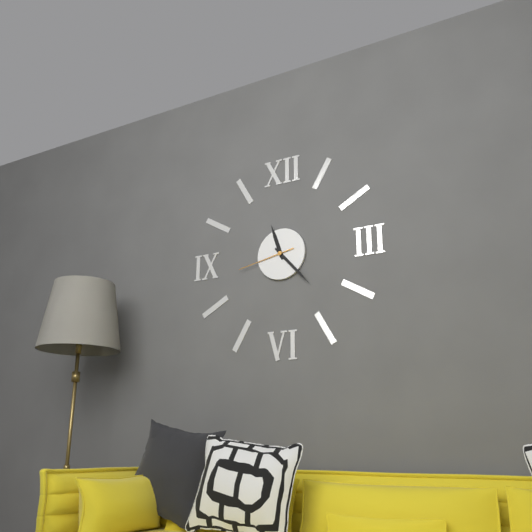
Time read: 11:23:43
